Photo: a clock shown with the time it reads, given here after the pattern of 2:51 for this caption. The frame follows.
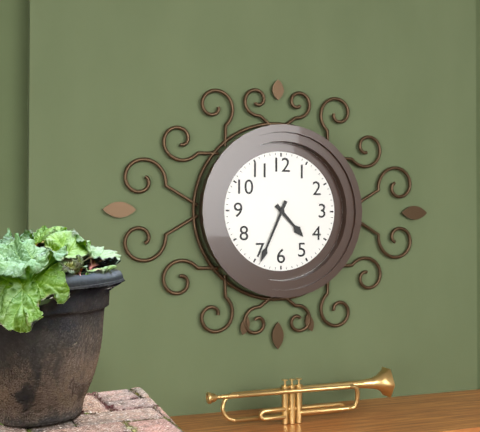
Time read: 4:34
